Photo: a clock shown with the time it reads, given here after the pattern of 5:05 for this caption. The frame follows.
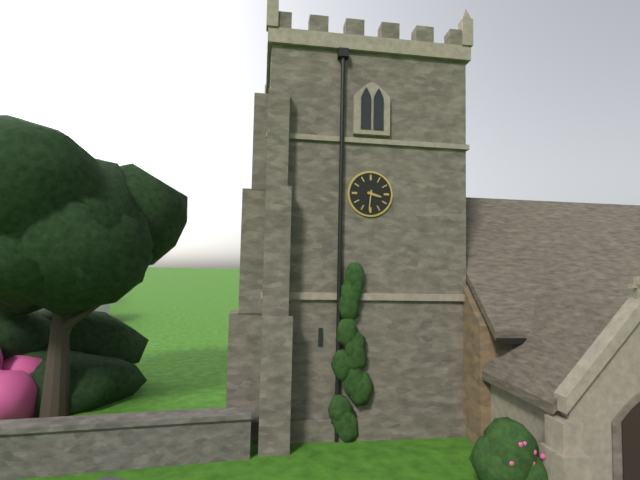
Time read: 3:31
